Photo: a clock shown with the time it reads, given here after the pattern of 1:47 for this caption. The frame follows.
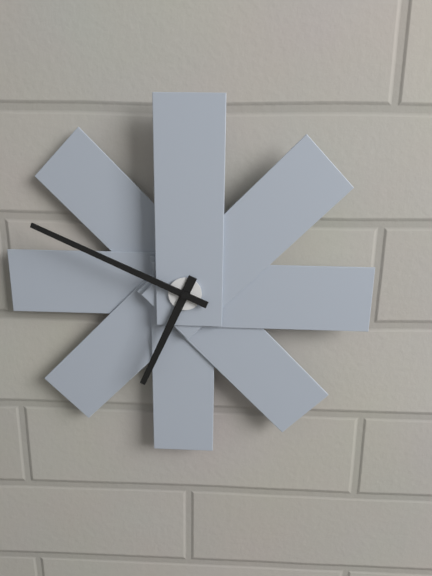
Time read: 6:49
